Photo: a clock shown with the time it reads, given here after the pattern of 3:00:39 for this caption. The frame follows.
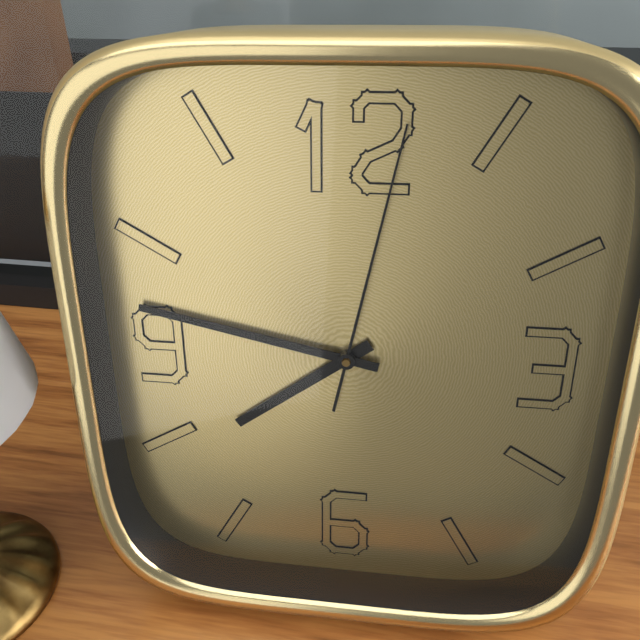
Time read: 7:47:02
